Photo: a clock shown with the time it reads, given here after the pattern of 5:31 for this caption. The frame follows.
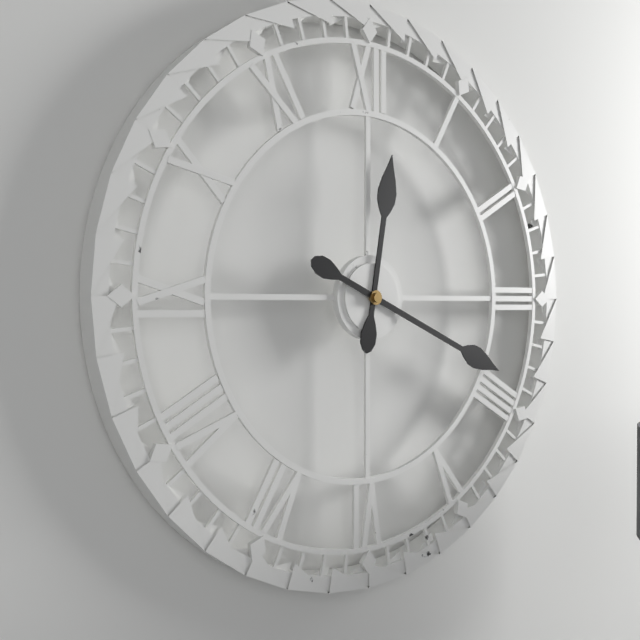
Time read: 12:19
